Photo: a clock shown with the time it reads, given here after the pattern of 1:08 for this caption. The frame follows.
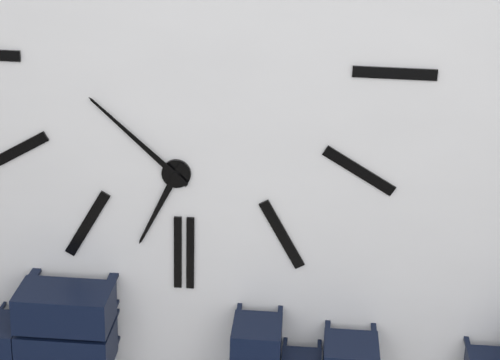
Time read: 6:52
